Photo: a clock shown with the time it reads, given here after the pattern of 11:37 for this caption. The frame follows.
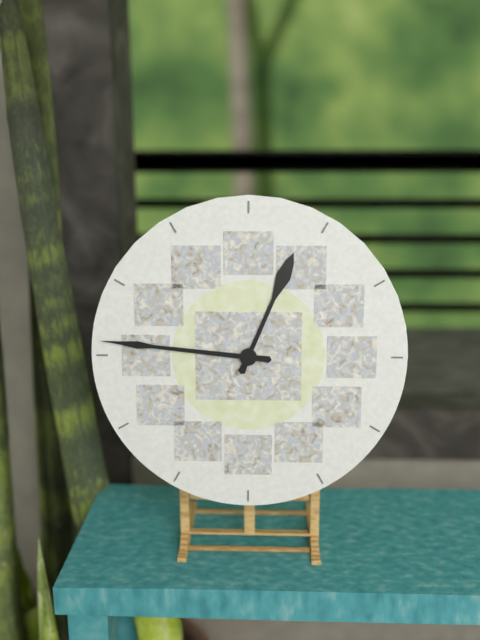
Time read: 12:46
